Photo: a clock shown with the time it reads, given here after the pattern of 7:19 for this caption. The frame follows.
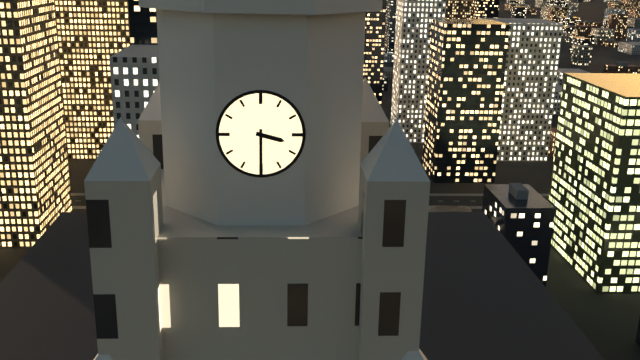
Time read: 3:30
